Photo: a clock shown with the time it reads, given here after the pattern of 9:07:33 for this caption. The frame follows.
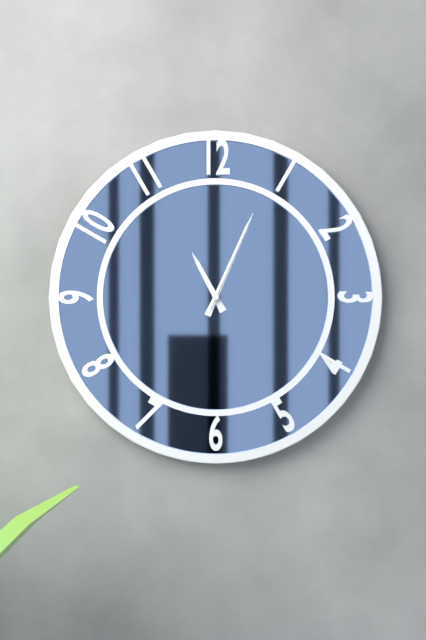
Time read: 11:04:04
